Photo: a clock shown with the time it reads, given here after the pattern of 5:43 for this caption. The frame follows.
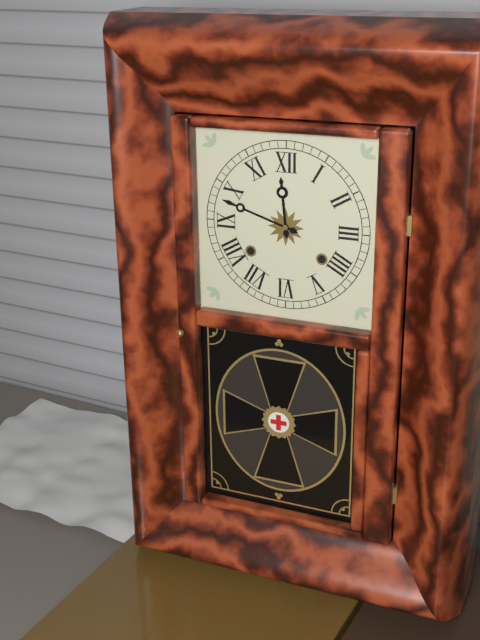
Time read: 11:48
